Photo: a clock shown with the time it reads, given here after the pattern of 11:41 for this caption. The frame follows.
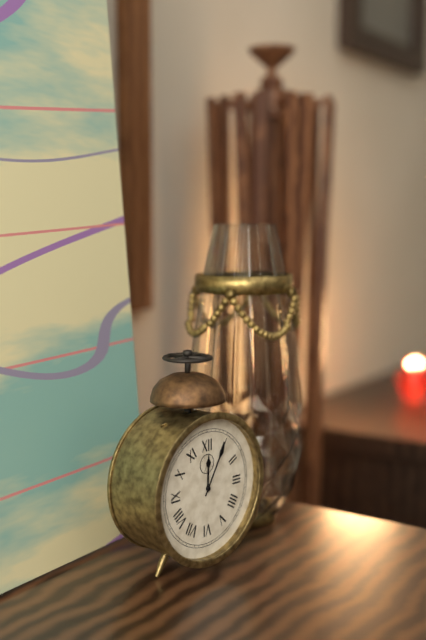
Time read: 12:05
